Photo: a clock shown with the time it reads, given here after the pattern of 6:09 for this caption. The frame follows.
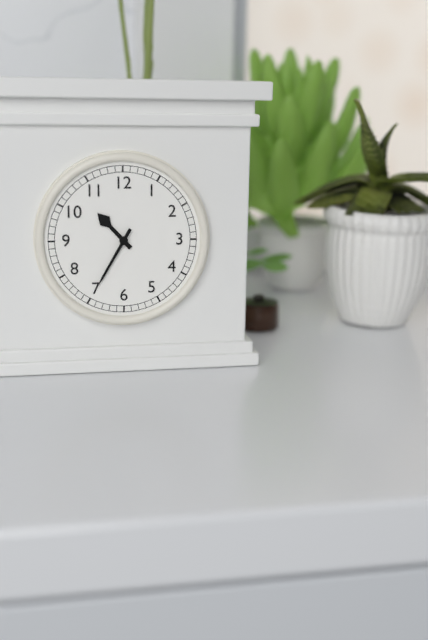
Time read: 10:35
